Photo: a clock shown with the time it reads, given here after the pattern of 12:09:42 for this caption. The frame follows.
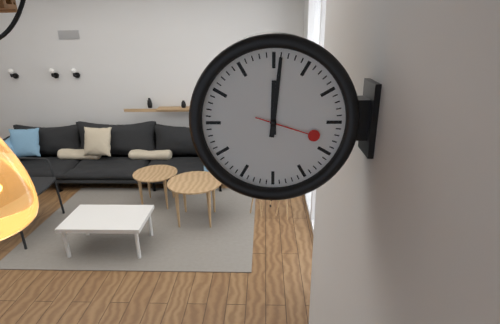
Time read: 12:01:18
